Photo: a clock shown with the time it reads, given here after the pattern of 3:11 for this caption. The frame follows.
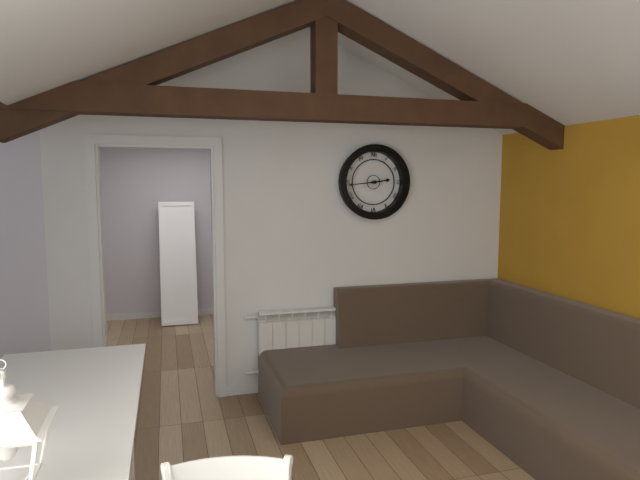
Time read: 2:44
